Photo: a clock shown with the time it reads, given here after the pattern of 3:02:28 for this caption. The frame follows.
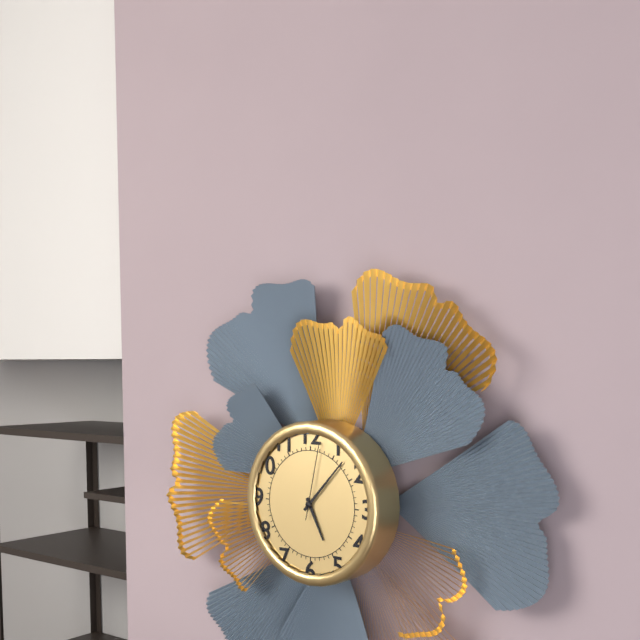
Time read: 5:07:02
